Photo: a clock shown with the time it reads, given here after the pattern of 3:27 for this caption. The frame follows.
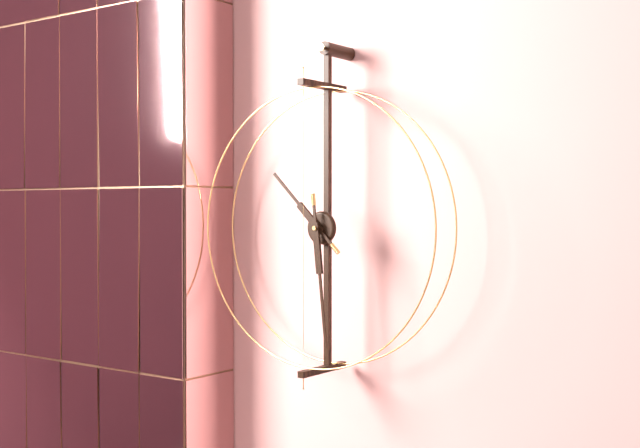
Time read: 10:29
